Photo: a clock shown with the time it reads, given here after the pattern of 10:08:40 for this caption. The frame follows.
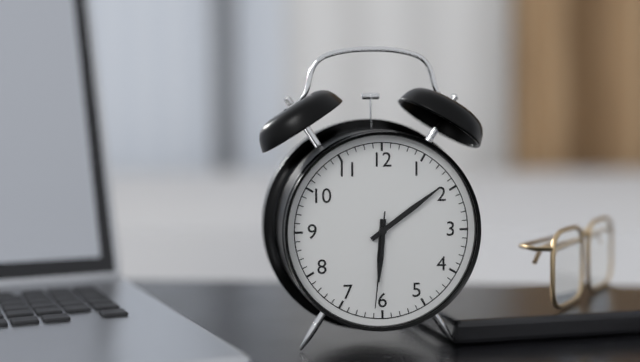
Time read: 6:09:31
